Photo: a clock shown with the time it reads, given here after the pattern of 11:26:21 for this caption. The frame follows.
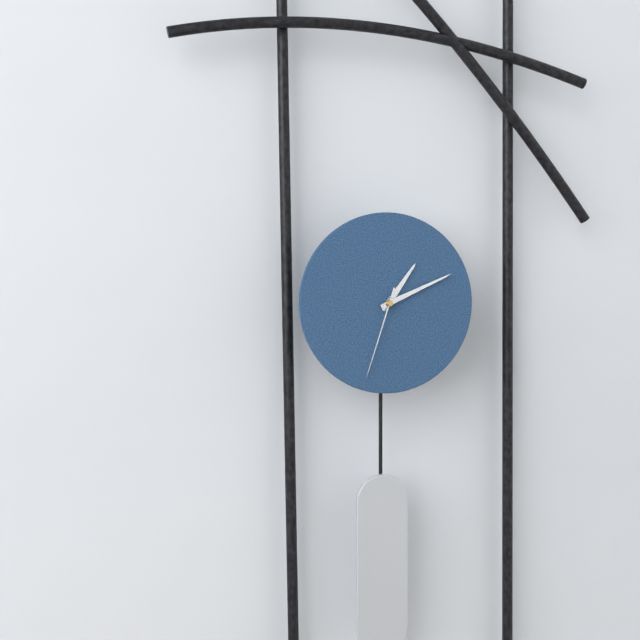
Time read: 1:11:33
